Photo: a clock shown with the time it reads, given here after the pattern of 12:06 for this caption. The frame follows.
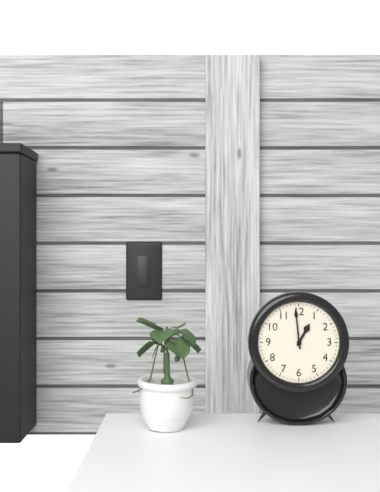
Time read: 12:59
